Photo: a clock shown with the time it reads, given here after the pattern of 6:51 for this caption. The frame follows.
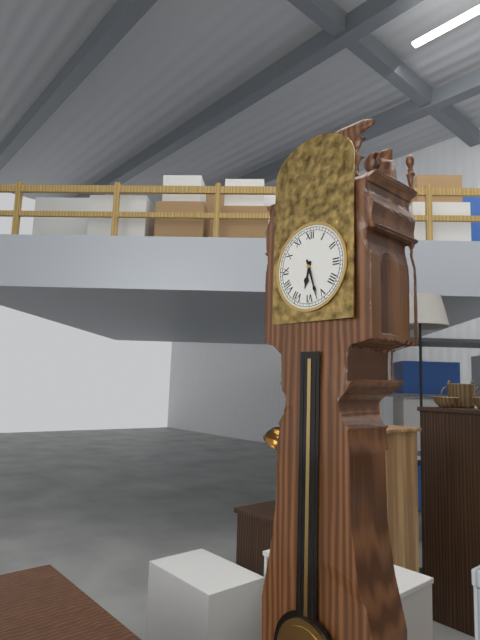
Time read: 6:27
